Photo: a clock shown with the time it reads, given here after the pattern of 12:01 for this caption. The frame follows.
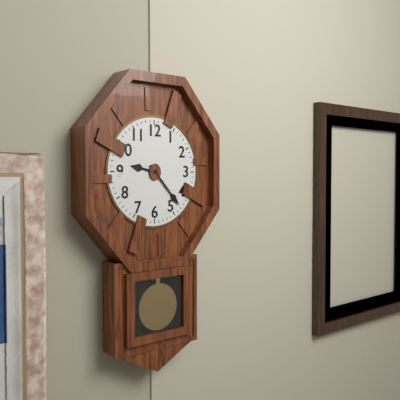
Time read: 9:23
